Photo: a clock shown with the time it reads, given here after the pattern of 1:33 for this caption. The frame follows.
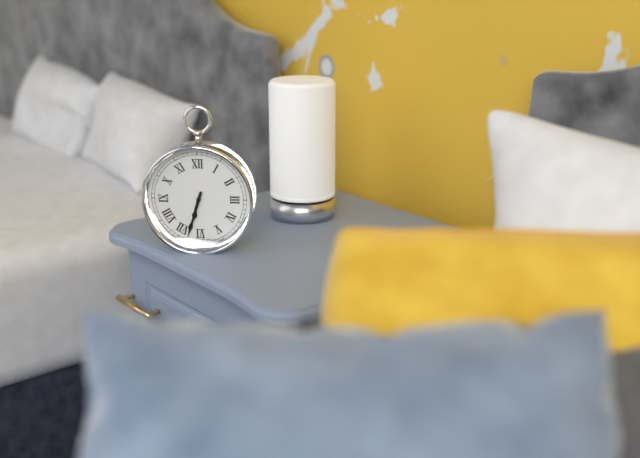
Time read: 6:33
